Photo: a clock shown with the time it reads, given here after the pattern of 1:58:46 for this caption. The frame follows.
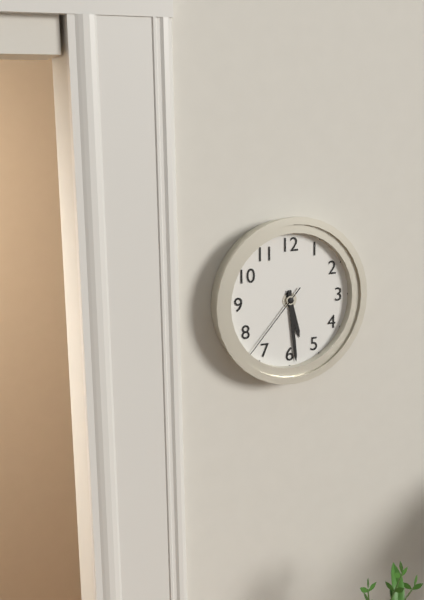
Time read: 5:29:37
